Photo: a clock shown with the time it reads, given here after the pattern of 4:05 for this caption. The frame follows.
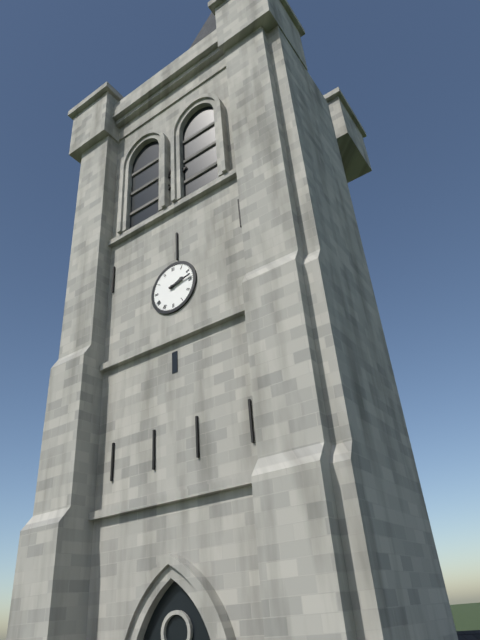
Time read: 2:13
